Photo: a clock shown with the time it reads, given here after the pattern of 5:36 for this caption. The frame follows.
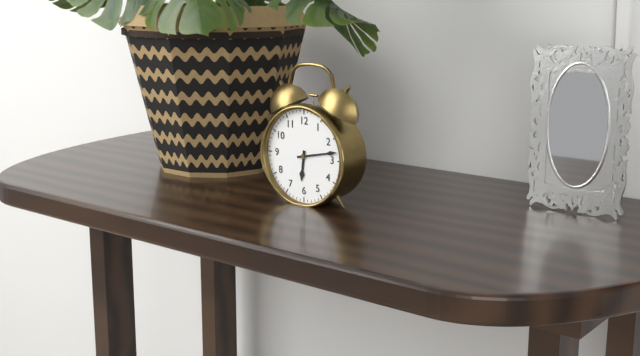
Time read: 6:13
